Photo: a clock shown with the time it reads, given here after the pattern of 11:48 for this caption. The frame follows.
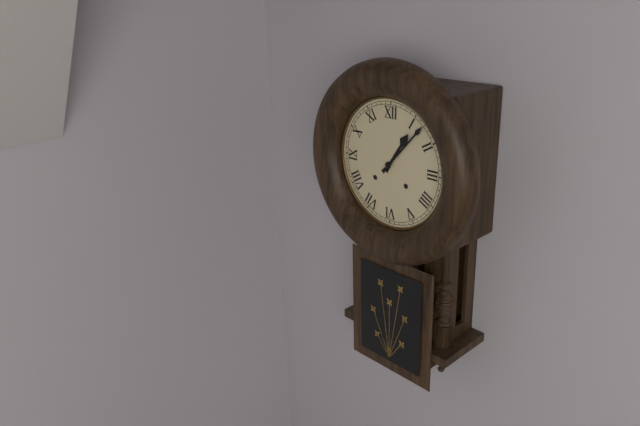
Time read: 1:07
